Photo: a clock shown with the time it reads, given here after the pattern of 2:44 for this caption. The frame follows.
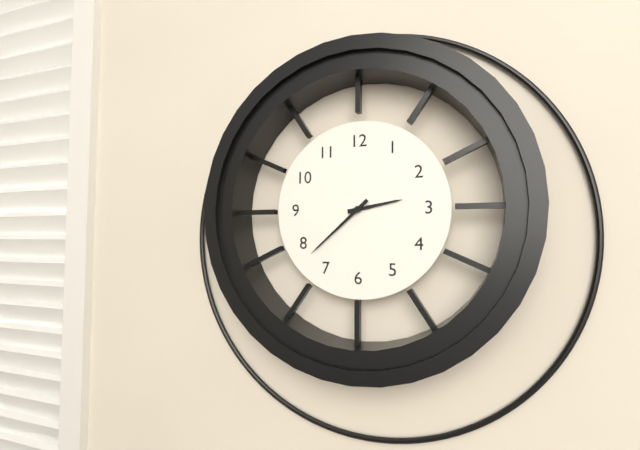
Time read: 2:38
